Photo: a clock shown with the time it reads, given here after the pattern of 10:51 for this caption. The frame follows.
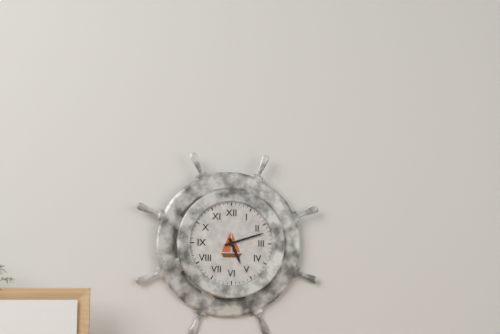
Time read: 5:12
